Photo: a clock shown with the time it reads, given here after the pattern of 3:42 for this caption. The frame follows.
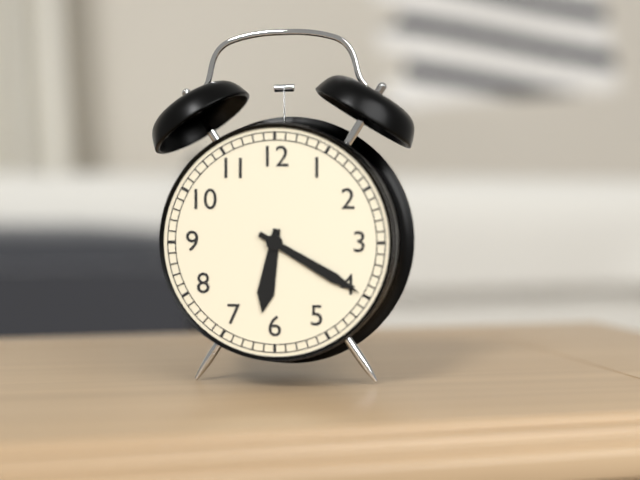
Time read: 6:20
